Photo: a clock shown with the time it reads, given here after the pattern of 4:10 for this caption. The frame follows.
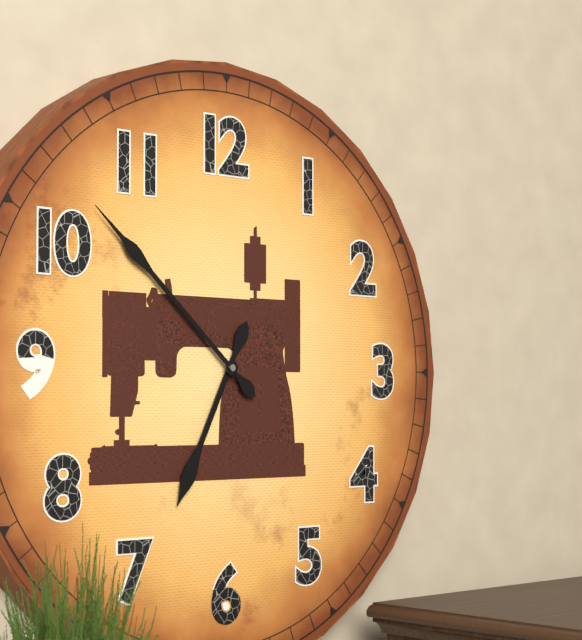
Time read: 6:52
